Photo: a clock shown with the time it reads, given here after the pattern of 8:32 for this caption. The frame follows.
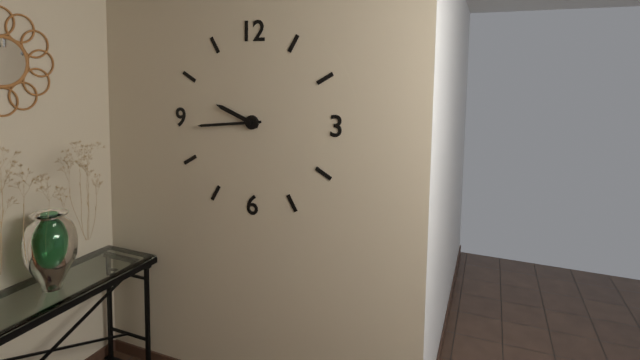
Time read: 9:44
